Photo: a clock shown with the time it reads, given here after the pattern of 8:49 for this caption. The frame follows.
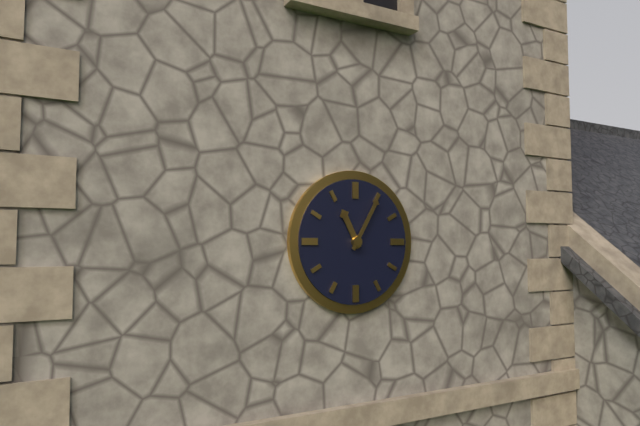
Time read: 11:05
